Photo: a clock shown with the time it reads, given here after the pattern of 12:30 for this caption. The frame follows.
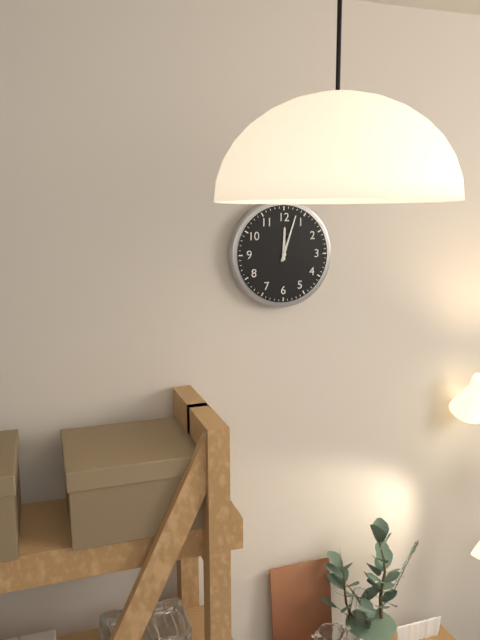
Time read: 12:03
